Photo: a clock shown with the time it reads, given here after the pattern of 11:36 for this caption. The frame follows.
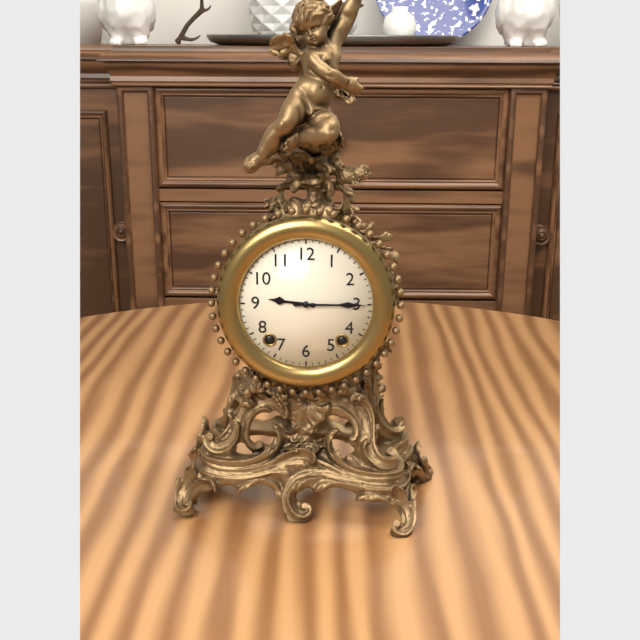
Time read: 9:15
